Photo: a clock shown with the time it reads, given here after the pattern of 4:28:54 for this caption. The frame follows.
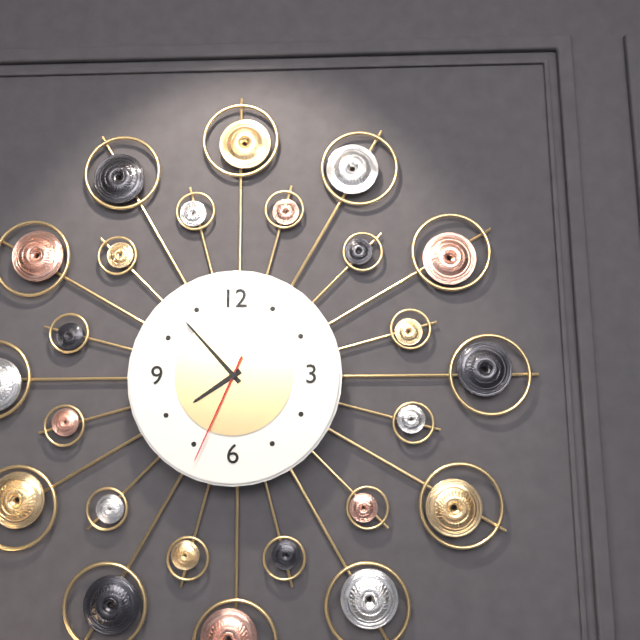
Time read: 7:53:34
